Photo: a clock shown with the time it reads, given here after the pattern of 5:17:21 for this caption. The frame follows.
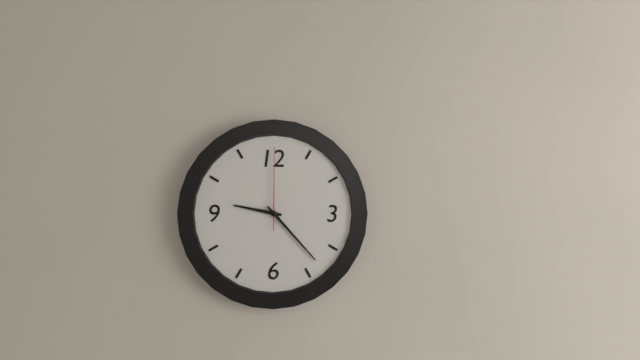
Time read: 9:23:00
